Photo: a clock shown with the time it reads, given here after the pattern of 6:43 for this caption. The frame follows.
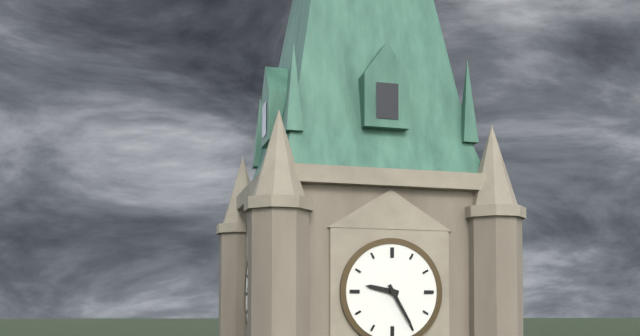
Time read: 9:25
